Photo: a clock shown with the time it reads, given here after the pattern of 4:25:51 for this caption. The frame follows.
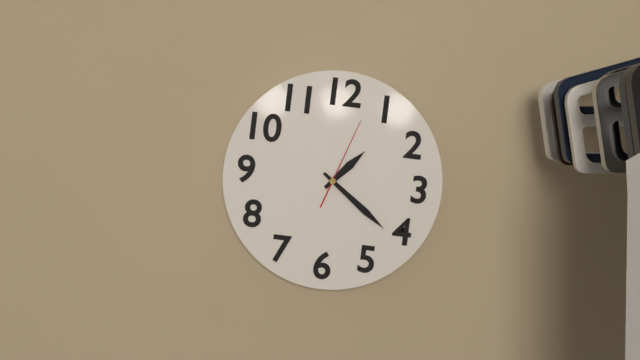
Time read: 1:21:03
